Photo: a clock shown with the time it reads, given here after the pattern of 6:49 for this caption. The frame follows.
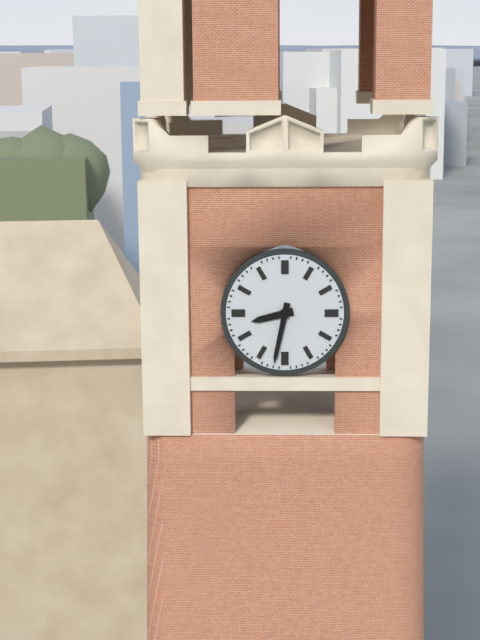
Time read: 8:32
